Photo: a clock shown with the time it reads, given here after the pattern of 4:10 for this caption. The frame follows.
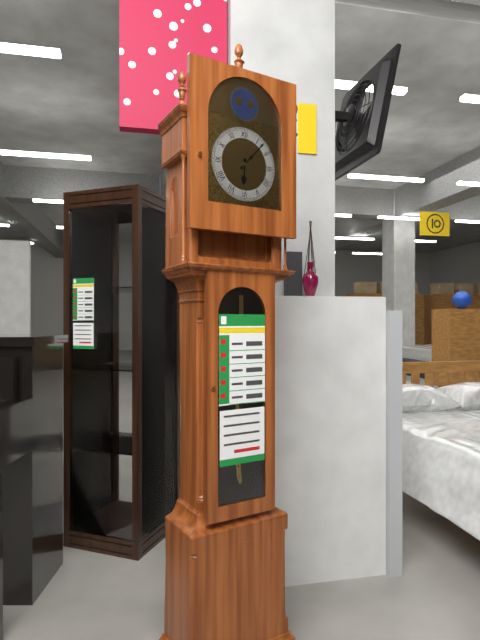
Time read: 6:07
